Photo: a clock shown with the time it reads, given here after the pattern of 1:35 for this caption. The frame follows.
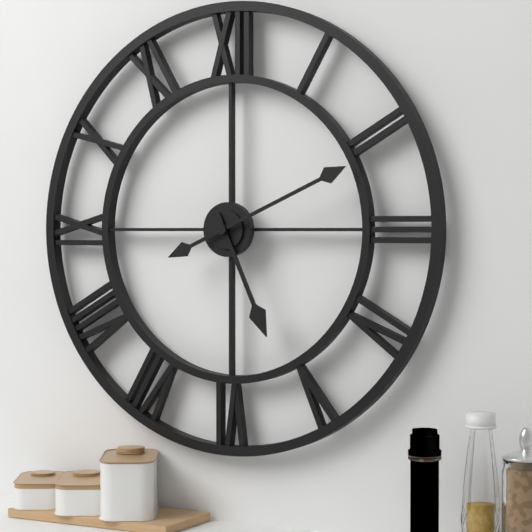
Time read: 5:11
